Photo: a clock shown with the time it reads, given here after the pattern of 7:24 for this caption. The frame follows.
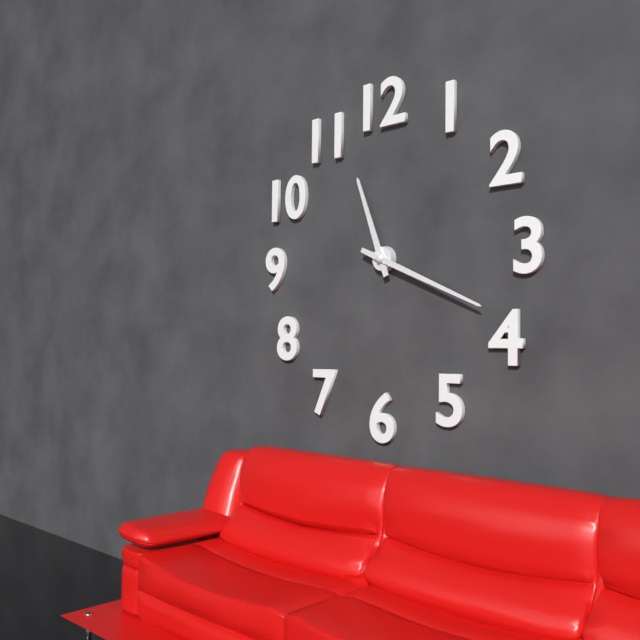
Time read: 11:19
